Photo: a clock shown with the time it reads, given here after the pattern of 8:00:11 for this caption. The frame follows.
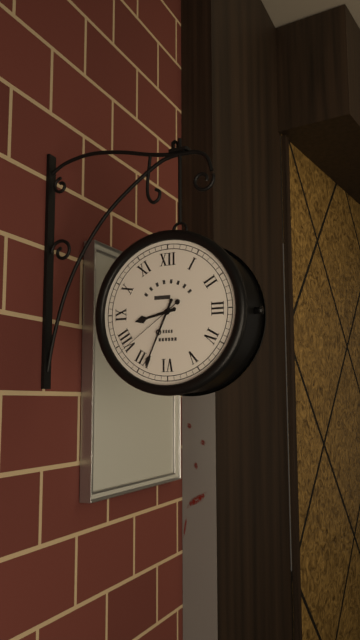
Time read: 8:34:39
